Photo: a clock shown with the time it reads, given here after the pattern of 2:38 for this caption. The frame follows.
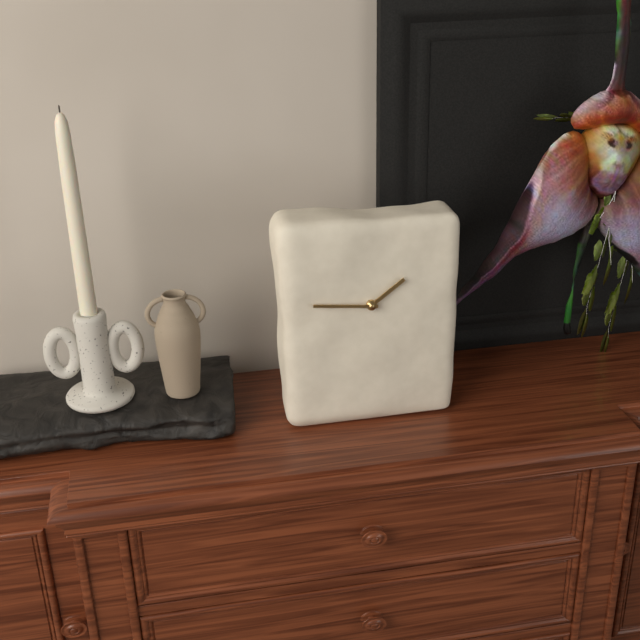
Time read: 1:46
